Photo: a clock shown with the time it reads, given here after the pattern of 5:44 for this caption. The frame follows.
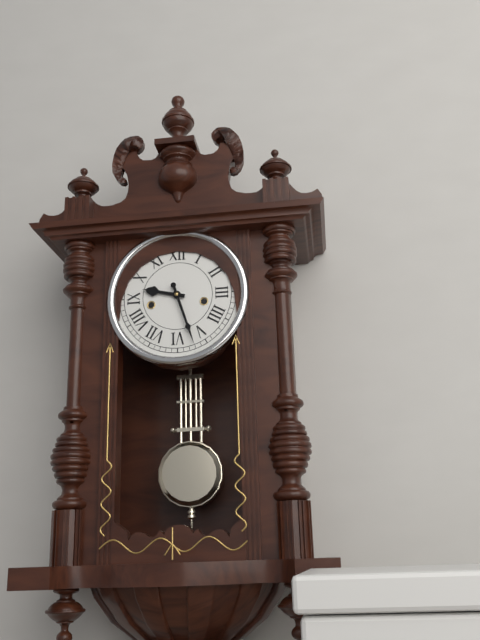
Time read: 9:27
